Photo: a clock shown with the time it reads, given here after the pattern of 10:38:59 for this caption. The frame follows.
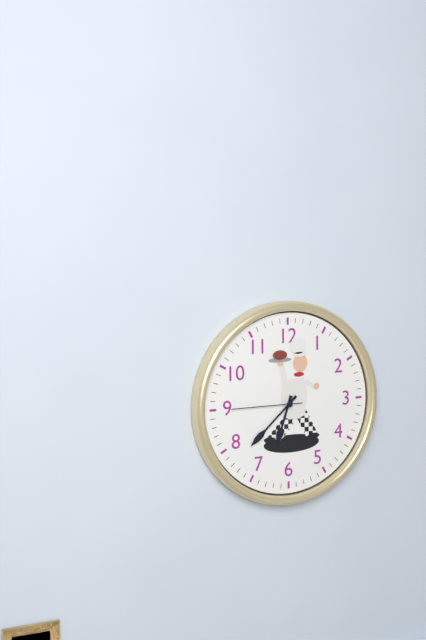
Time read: 6:38:45
